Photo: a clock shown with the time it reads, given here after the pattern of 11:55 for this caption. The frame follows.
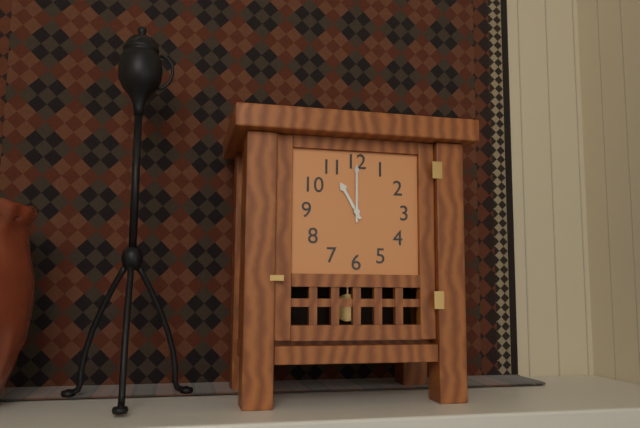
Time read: 11:00
